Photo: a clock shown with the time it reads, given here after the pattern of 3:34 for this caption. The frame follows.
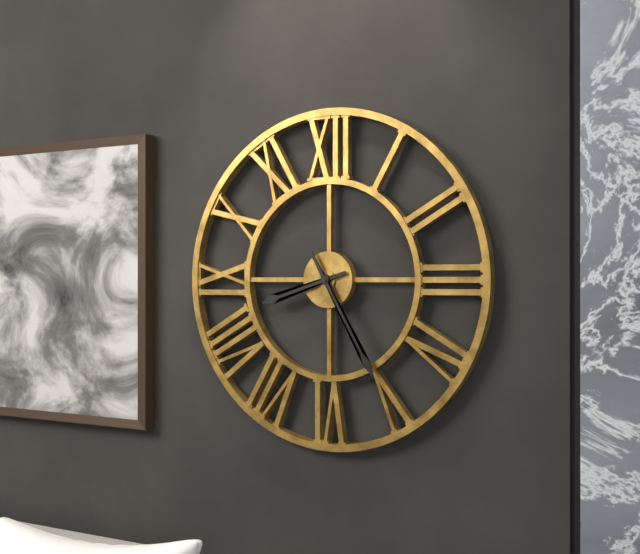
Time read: 8:25
